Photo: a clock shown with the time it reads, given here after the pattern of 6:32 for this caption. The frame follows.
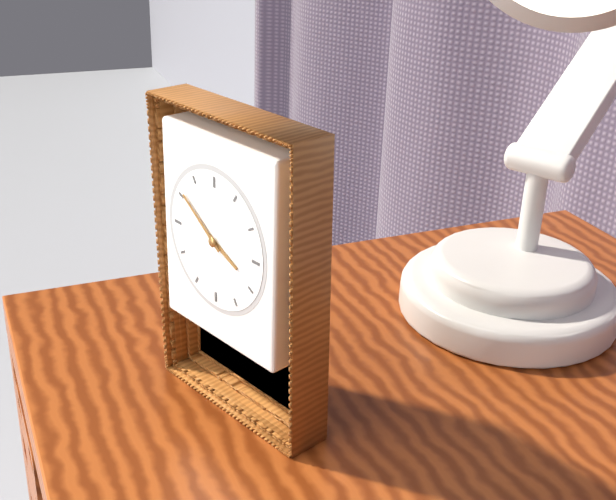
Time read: 3:51
